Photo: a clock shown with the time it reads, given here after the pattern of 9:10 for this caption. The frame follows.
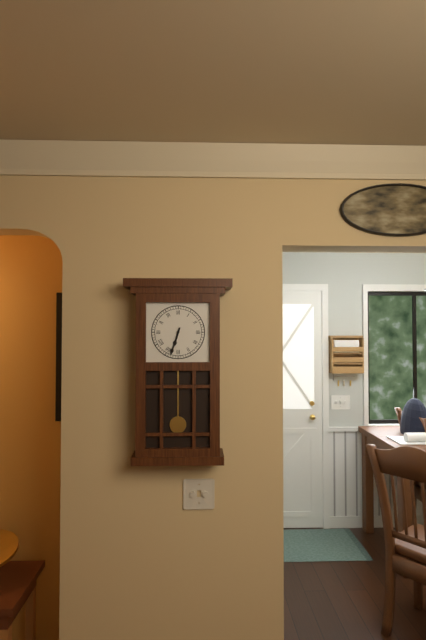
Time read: 6:33
